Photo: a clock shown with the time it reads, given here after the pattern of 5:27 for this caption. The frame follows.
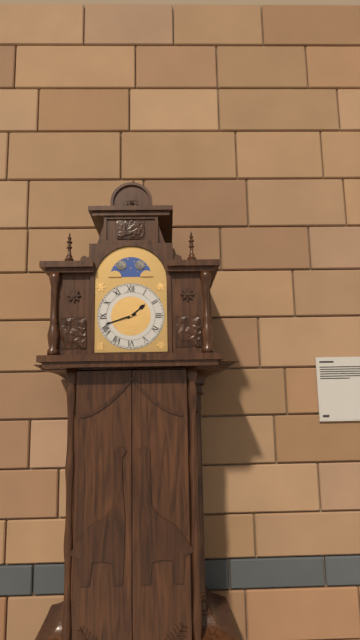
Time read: 1:42
